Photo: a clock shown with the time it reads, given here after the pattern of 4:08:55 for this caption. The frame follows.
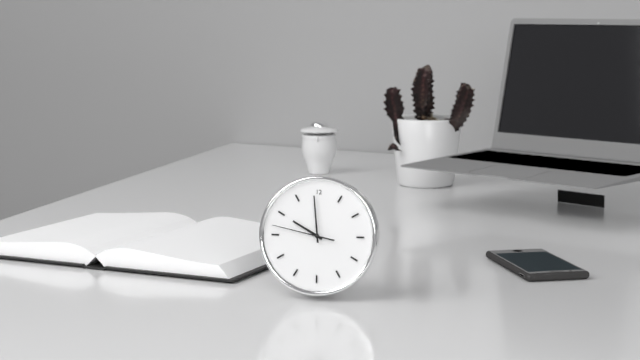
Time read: 9:59:47
